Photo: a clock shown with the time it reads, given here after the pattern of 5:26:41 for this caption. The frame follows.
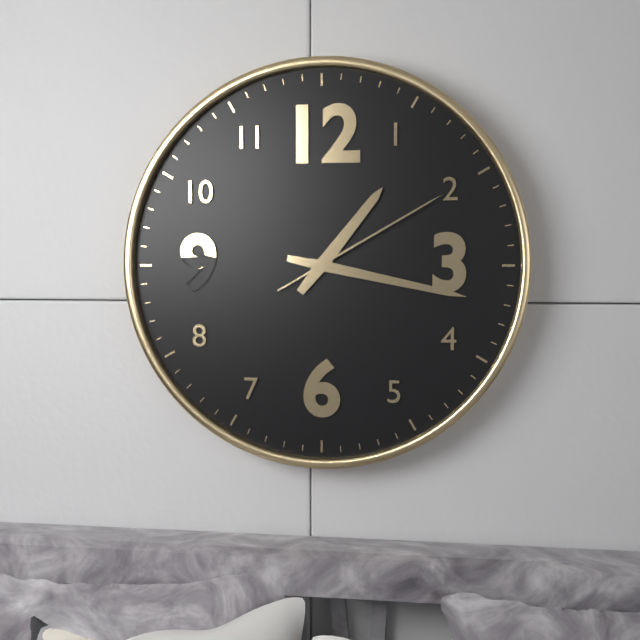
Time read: 1:17:10
